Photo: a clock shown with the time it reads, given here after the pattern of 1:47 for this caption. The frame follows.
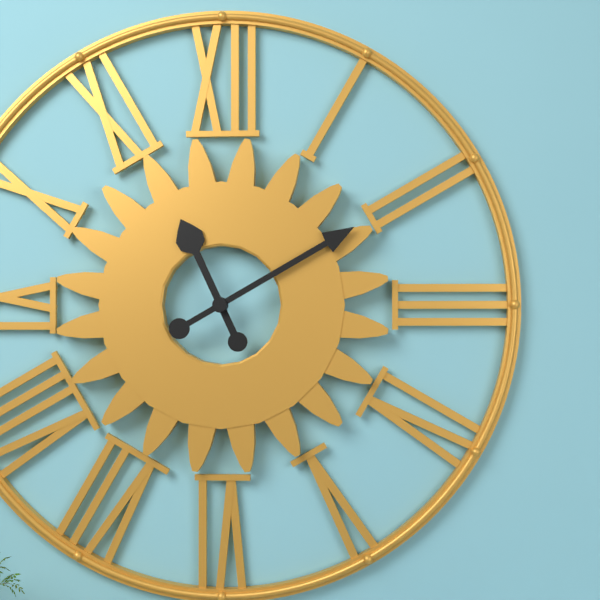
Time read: 11:10
